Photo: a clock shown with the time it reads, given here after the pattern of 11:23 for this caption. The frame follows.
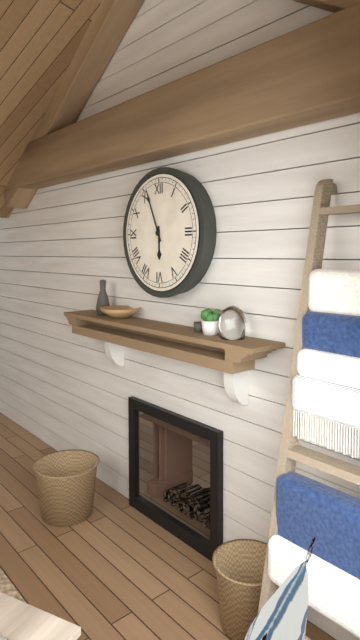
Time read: 5:56
